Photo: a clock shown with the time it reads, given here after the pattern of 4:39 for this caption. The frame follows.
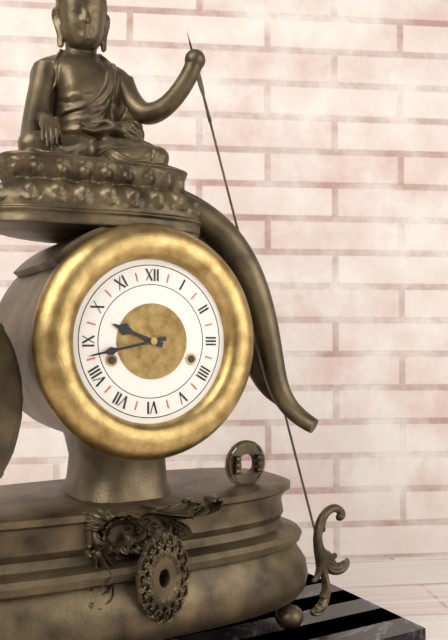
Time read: 9:43
